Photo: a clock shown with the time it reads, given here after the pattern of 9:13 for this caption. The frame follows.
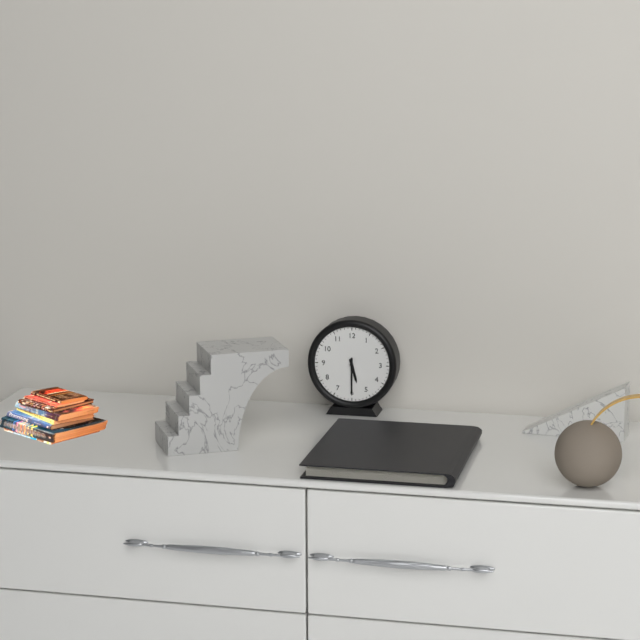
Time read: 5:30
